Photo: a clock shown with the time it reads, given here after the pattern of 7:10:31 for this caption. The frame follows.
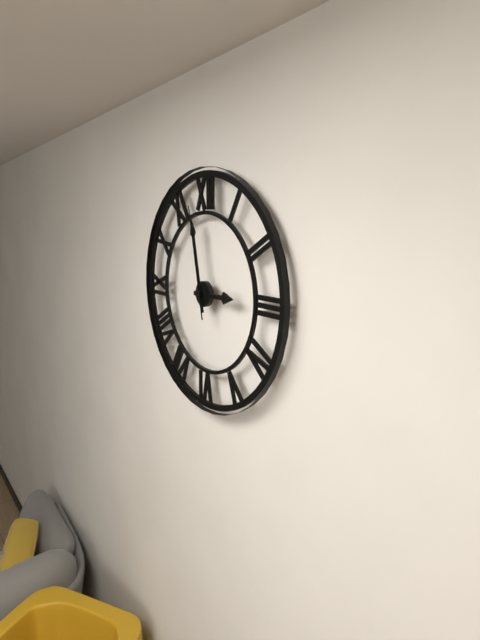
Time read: 2:58:58
